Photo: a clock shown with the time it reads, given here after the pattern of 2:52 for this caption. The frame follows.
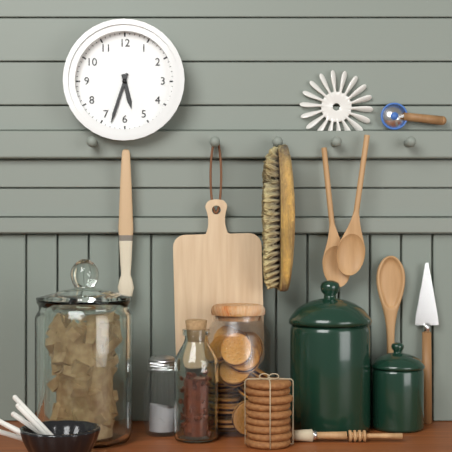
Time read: 5:33
